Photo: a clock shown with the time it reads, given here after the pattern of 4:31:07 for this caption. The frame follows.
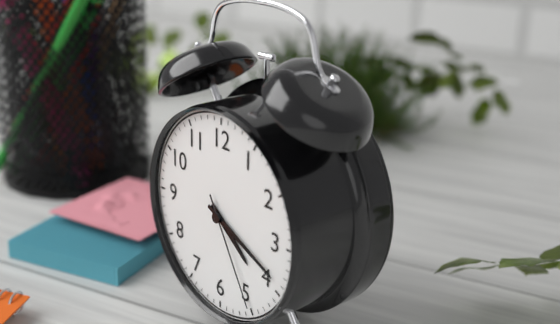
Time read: 4:19:25
